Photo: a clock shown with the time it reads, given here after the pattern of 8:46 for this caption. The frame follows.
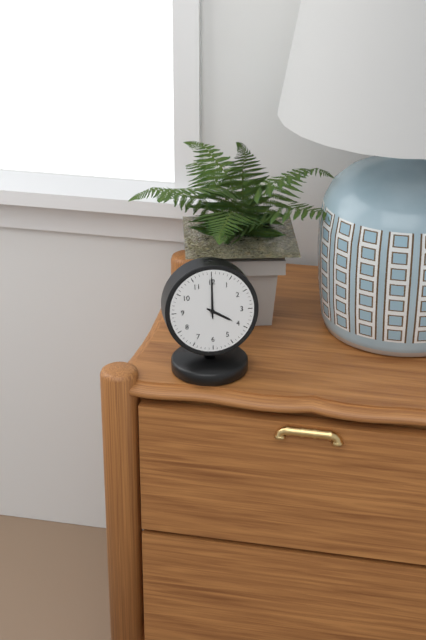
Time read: 4:00
